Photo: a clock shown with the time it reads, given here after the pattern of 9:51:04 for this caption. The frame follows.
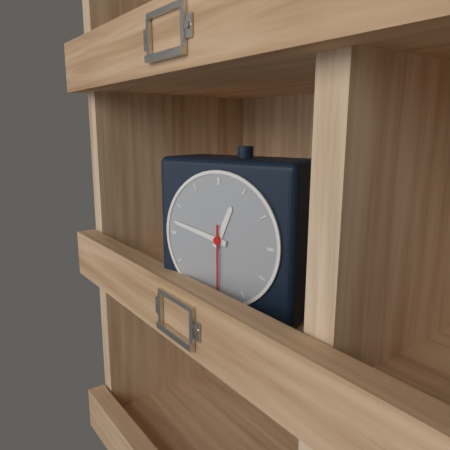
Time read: 12:47:30
